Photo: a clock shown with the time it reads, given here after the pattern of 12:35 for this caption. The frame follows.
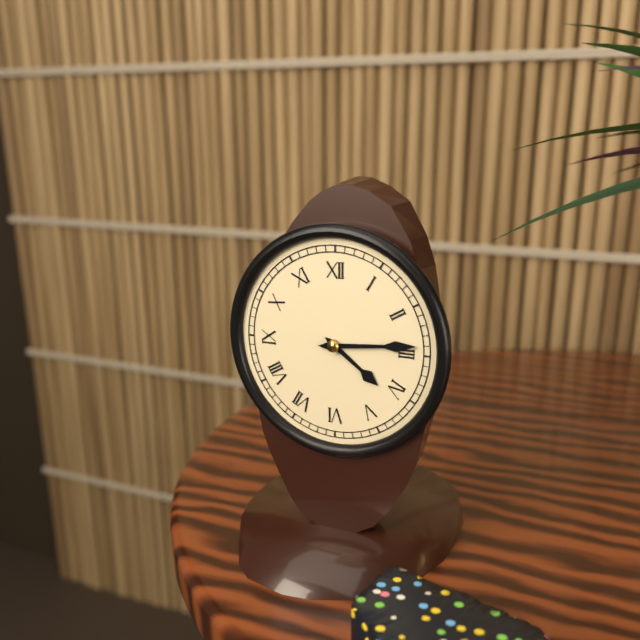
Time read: 4:14
